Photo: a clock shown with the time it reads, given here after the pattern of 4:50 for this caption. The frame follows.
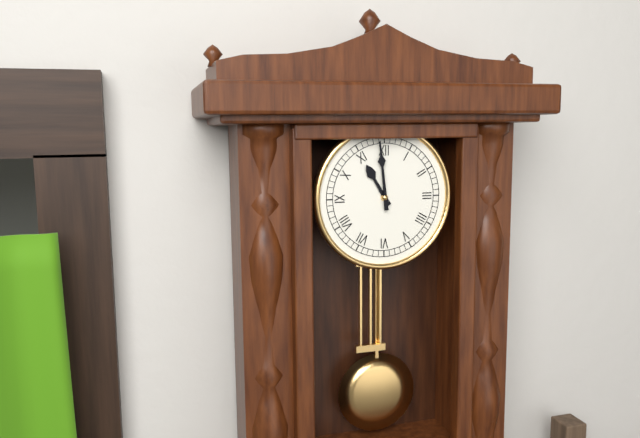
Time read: 10:59
